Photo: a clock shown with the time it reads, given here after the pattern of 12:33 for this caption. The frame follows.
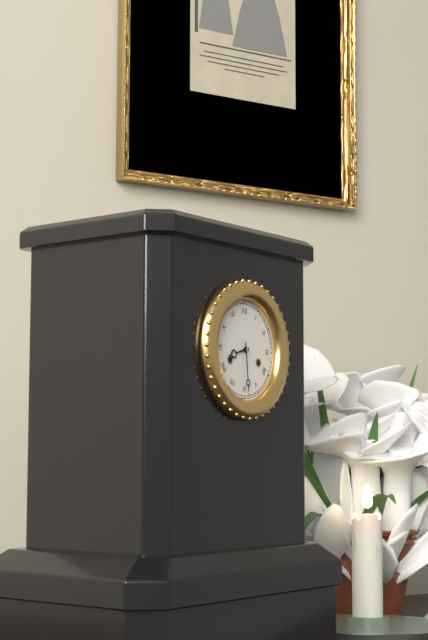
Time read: 8:29
